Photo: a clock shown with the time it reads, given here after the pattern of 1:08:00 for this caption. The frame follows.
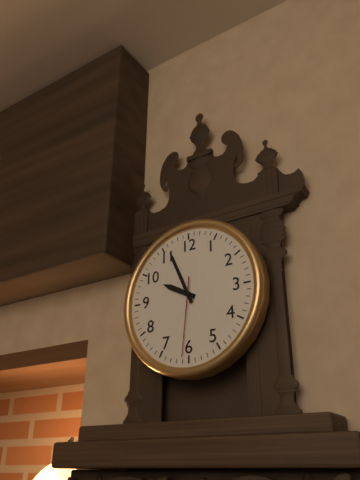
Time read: 9:56:31
